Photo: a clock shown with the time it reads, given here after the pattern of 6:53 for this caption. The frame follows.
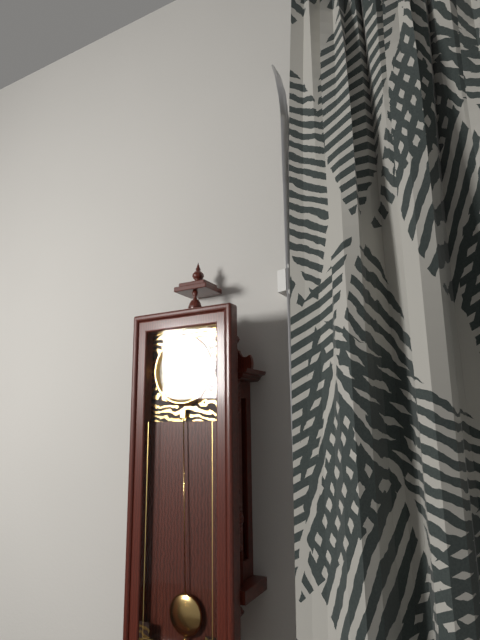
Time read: 8:25
